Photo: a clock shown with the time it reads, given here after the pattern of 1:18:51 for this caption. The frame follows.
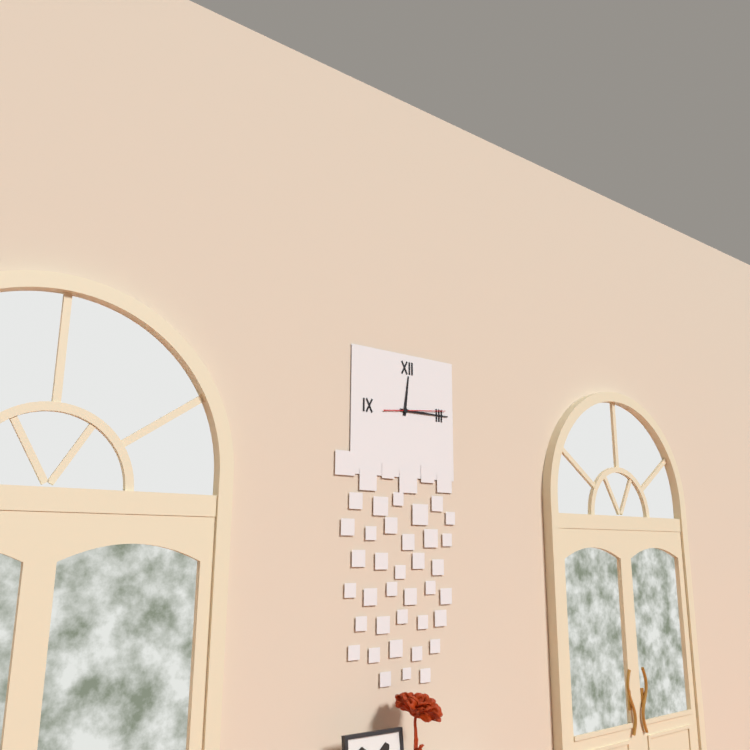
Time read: 12:15:14
